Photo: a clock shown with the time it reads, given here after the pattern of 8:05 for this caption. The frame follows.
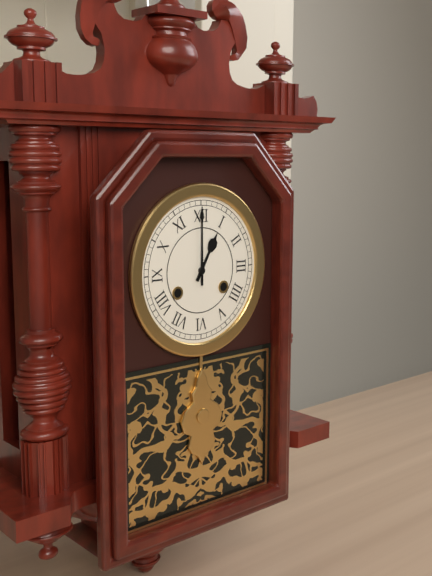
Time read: 1:00
